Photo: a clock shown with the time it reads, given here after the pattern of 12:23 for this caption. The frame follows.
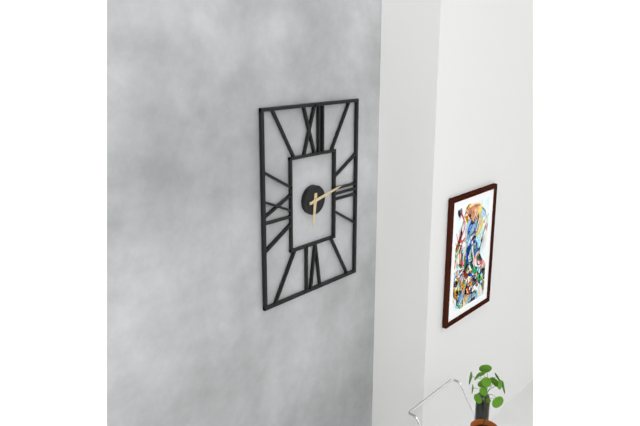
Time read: 6:13
